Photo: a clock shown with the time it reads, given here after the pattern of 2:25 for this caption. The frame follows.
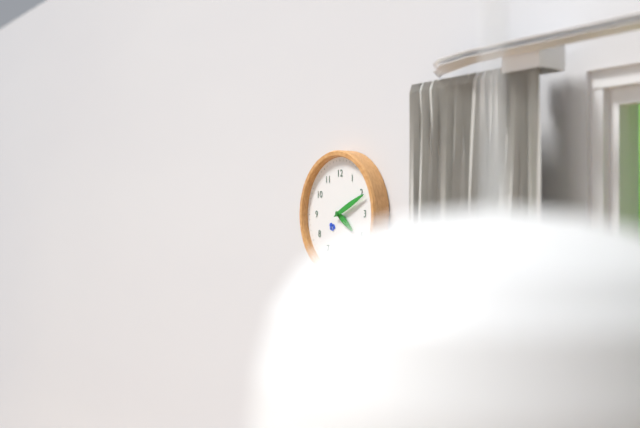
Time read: 4:11
